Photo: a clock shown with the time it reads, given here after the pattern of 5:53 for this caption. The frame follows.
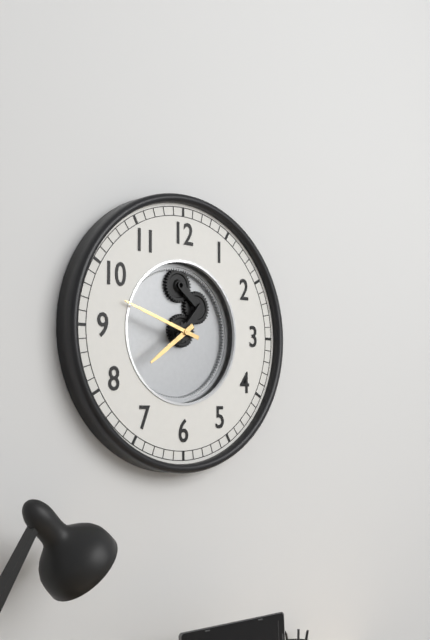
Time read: 7:48
